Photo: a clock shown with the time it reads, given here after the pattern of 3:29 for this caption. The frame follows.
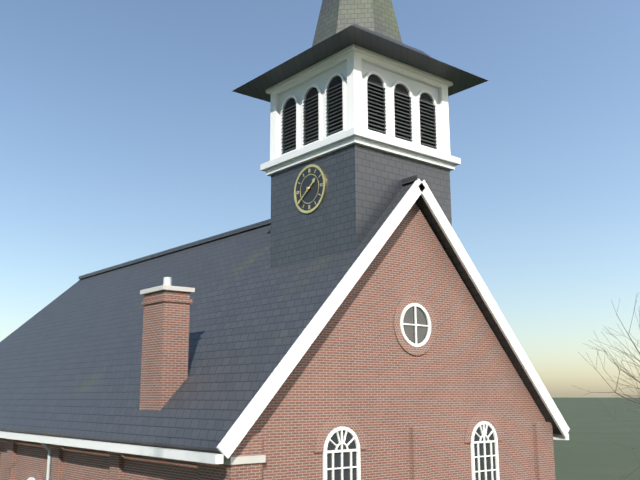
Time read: 1:39
